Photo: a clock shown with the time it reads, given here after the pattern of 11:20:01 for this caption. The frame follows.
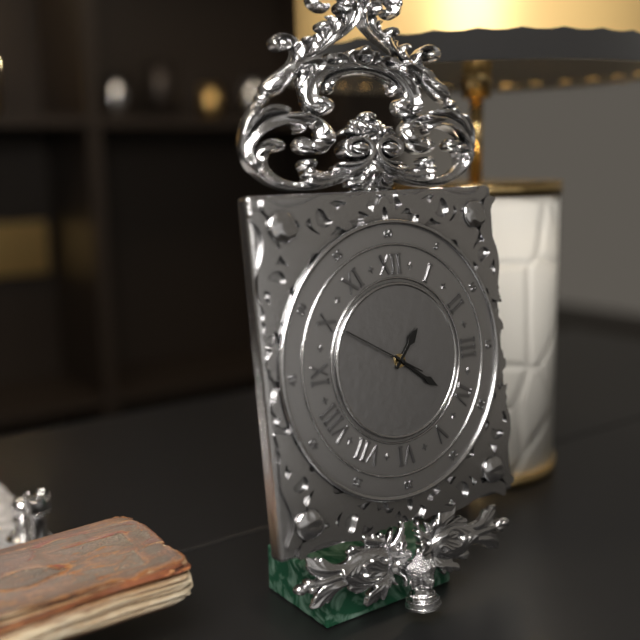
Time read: 1:21:50
